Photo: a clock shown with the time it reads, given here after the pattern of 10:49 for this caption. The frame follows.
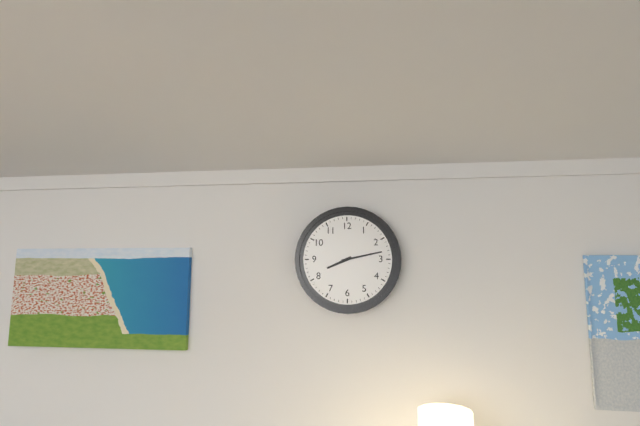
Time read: 8:13
